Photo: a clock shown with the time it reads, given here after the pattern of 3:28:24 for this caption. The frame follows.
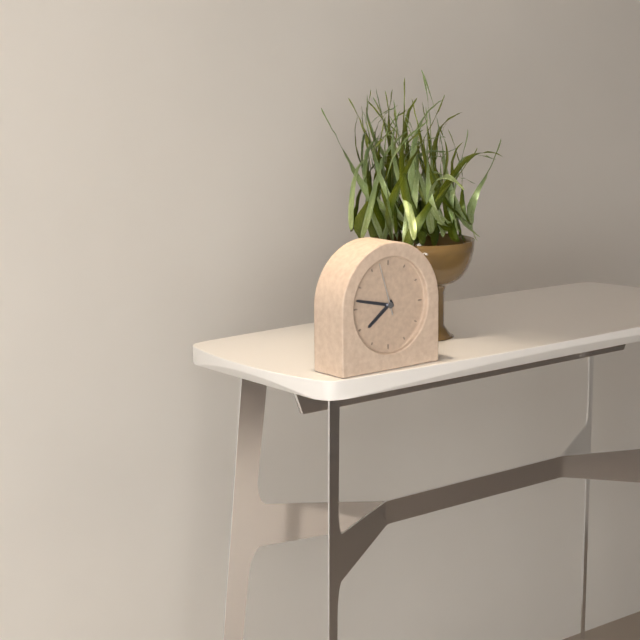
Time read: 7:47:57
